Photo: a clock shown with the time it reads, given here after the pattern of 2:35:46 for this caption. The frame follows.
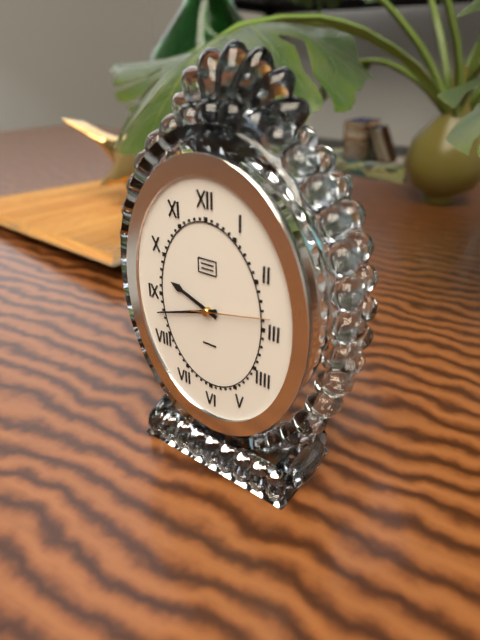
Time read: 9:42:13
